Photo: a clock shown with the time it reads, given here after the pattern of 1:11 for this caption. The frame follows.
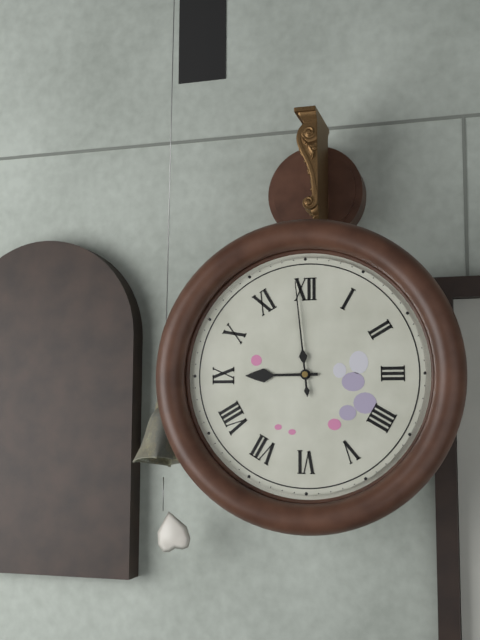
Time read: 8:59
